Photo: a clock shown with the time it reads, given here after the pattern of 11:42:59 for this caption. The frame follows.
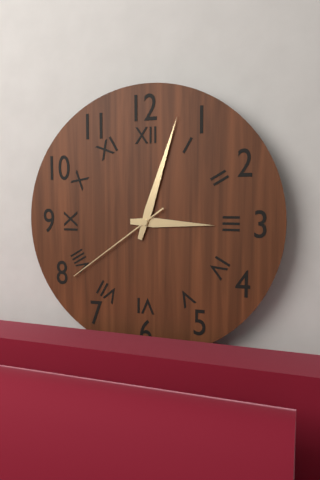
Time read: 3:03:39
